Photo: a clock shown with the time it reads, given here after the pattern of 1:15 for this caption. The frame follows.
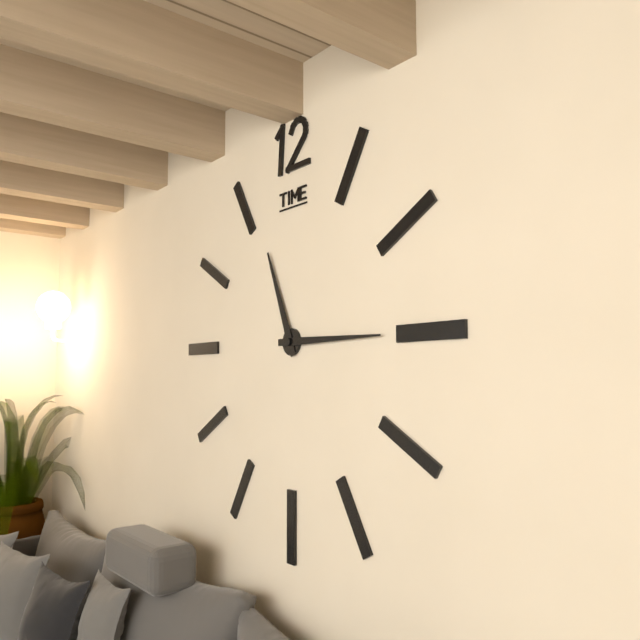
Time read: 11:15
